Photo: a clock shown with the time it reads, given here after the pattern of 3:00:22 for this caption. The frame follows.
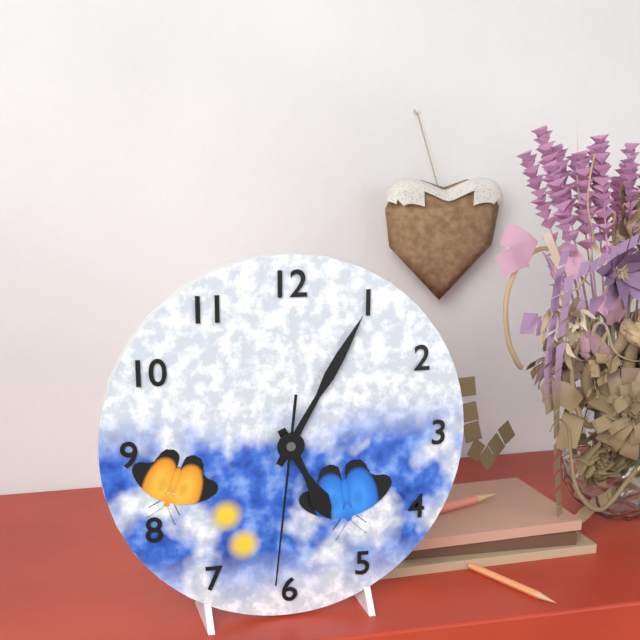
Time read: 5:05:31
